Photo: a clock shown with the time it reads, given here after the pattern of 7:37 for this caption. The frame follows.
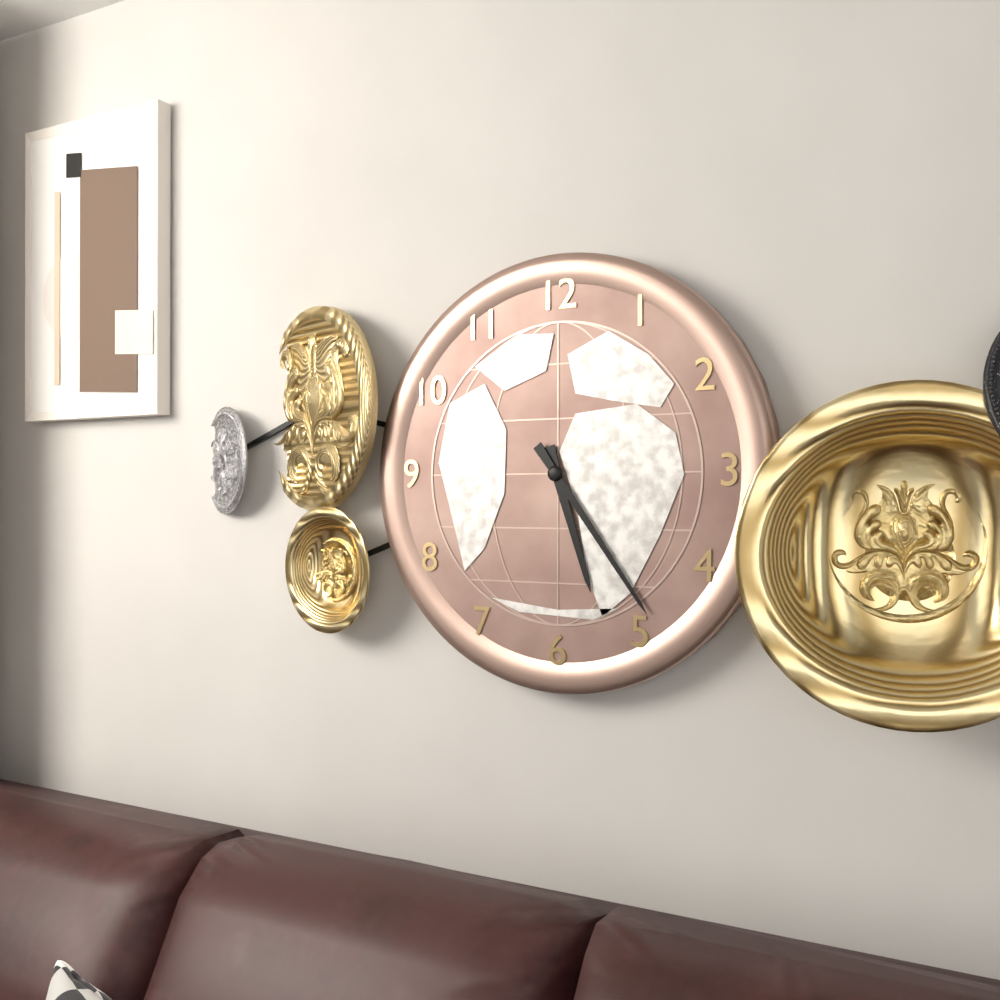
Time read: 5:24
